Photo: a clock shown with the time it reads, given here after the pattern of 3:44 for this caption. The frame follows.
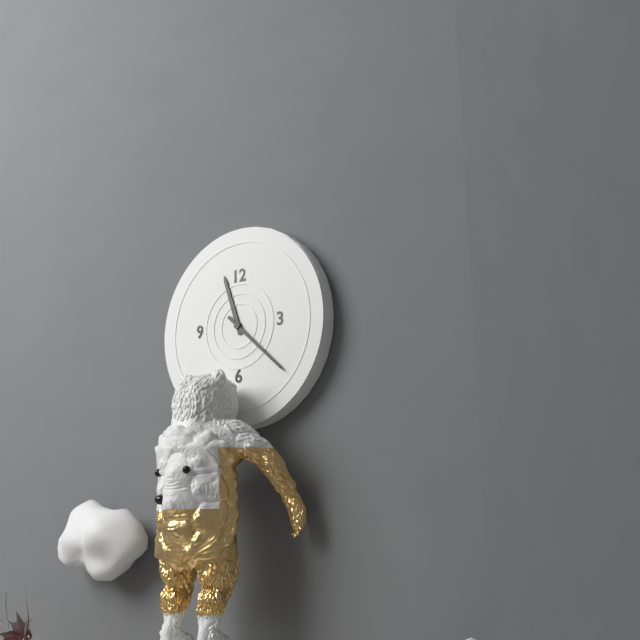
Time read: 11:22
